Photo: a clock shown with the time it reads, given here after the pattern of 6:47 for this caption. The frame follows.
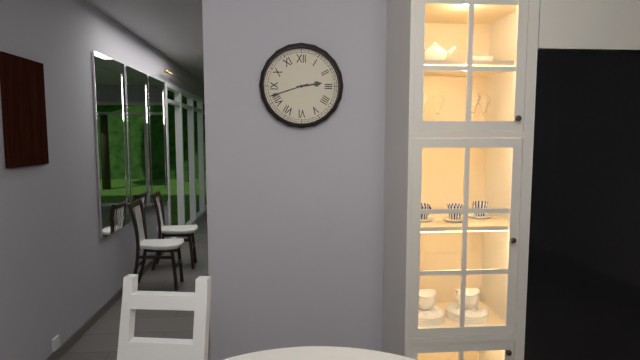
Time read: 2:42
